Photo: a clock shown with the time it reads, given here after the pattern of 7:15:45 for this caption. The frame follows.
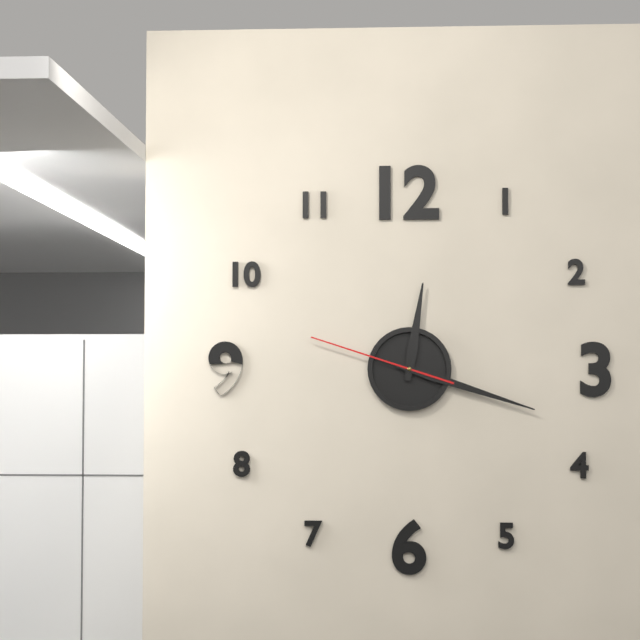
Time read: 12:18:48
